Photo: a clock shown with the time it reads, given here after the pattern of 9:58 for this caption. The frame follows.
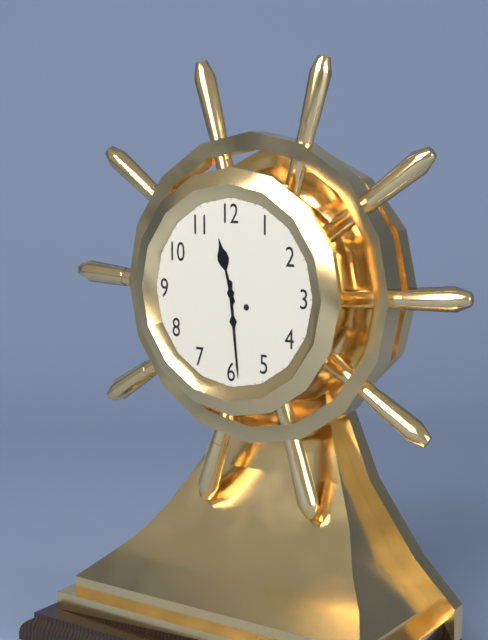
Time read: 11:29
